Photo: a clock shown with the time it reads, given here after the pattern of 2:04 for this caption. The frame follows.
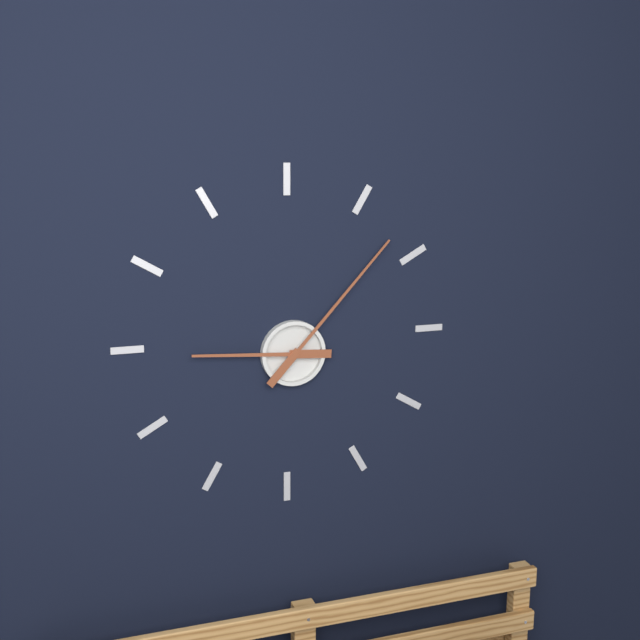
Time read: 9:07
